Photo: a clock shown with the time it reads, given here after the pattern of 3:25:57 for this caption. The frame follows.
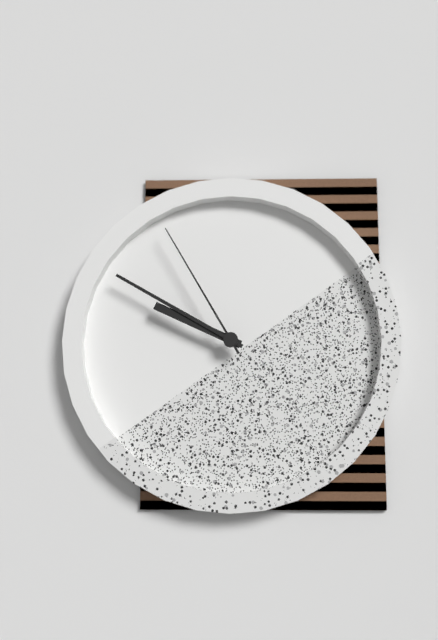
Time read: 9:50:55
